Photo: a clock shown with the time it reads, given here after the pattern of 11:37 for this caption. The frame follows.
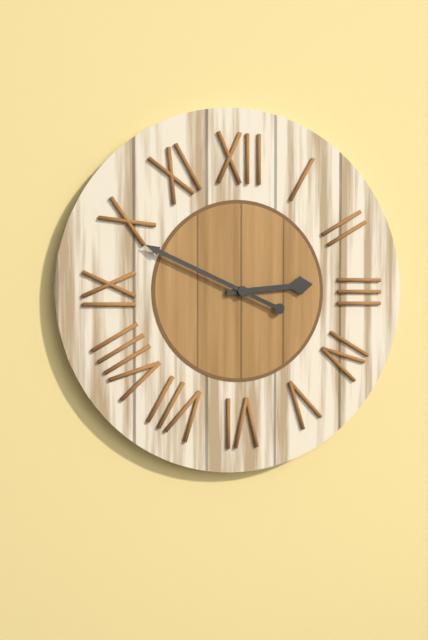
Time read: 2:49
